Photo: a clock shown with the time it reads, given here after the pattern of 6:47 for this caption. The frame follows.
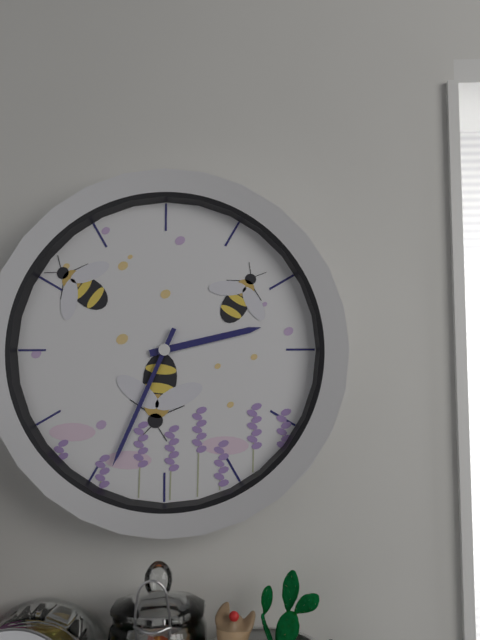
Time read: 2:34
